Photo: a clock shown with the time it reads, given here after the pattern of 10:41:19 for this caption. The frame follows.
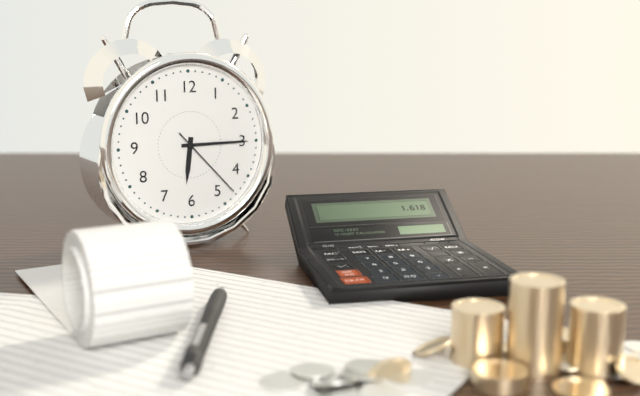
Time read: 6:15:23
